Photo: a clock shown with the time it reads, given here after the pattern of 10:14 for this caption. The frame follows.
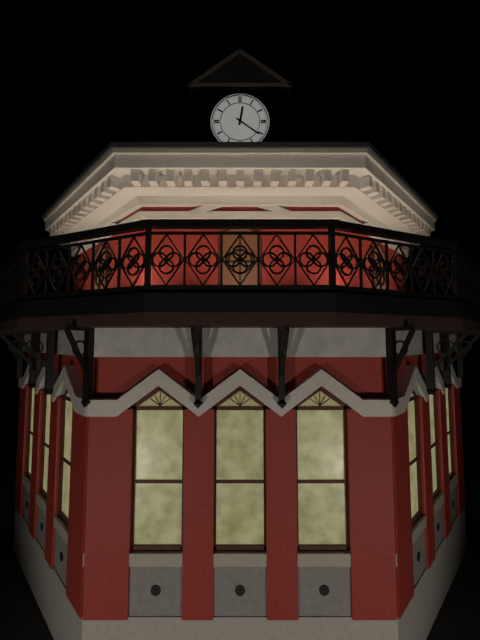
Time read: 12:21
